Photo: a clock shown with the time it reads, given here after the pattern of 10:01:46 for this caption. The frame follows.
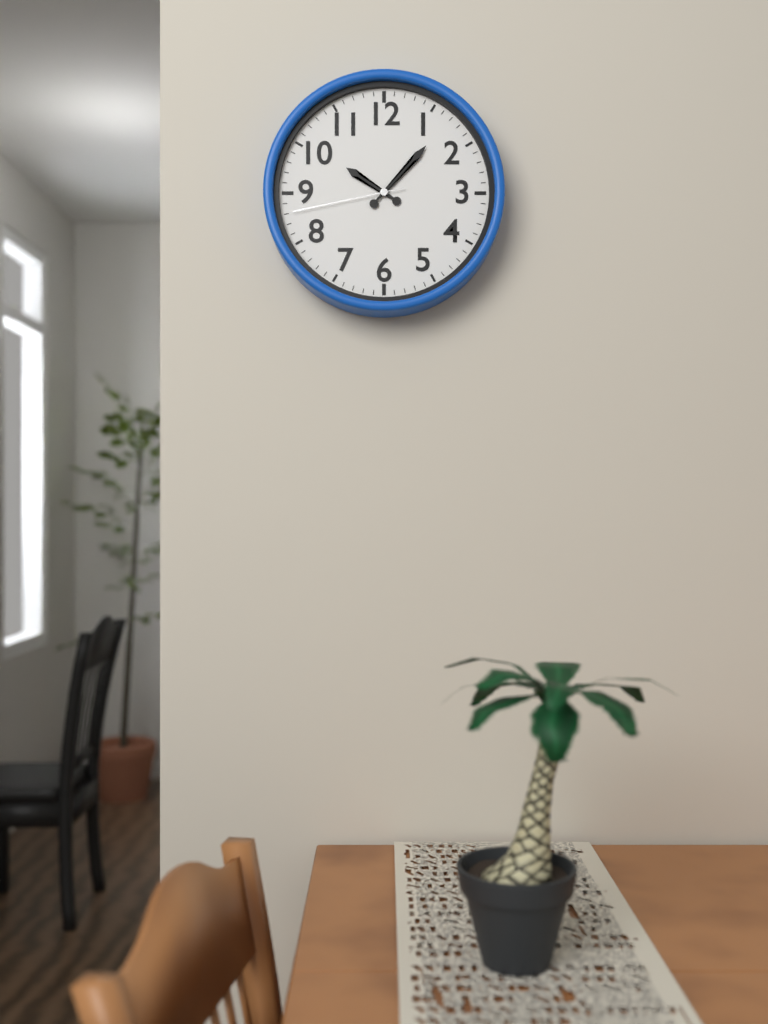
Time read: 10:07:43
